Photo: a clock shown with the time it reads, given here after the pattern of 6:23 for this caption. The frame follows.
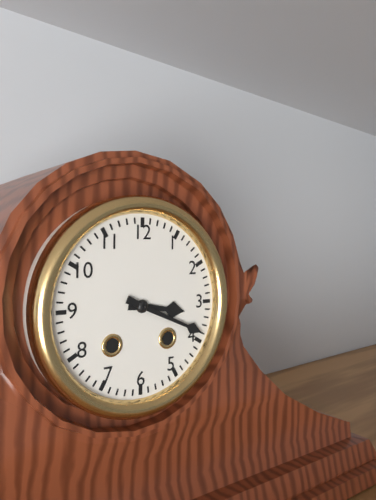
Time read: 3:19
